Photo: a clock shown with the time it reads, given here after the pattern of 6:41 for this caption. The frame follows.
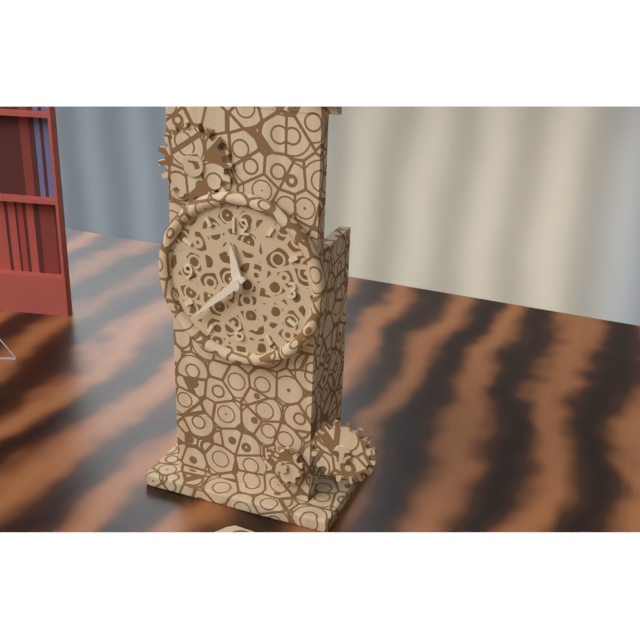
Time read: 11:38
